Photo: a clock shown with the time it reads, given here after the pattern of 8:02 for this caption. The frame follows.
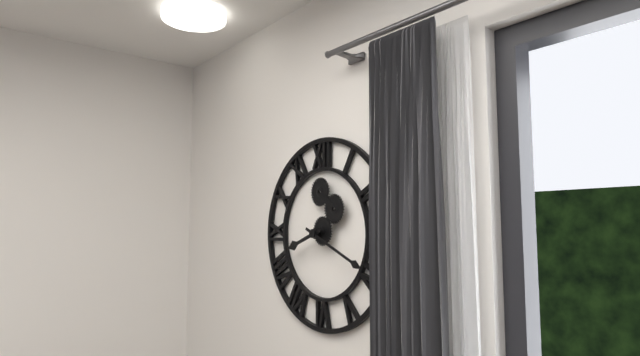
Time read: 8:19
